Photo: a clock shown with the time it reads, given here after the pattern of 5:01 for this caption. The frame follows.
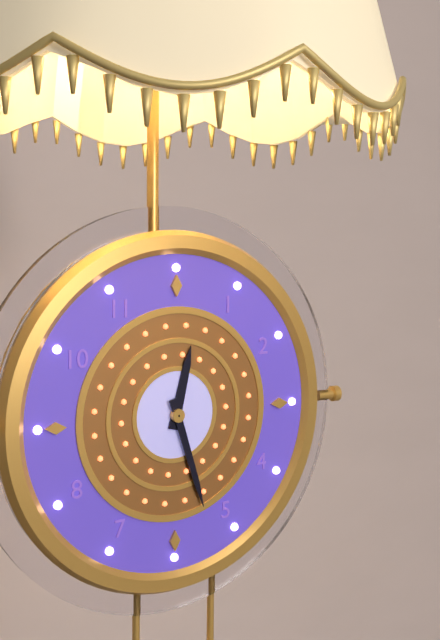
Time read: 12:27
